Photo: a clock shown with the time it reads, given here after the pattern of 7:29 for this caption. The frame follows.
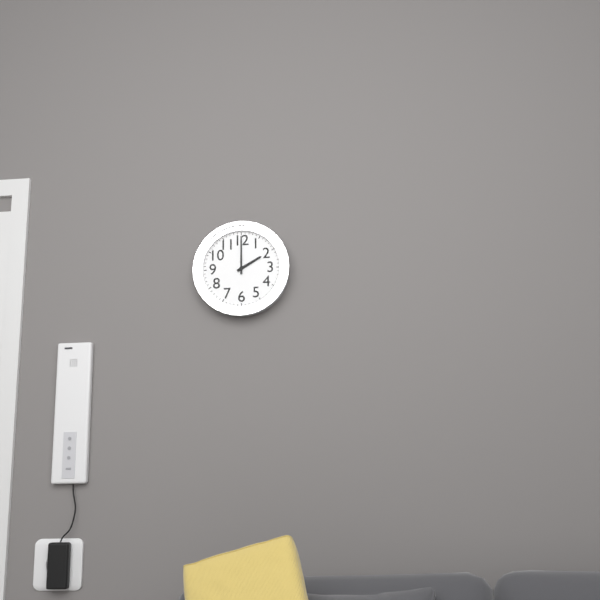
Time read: 2:00
